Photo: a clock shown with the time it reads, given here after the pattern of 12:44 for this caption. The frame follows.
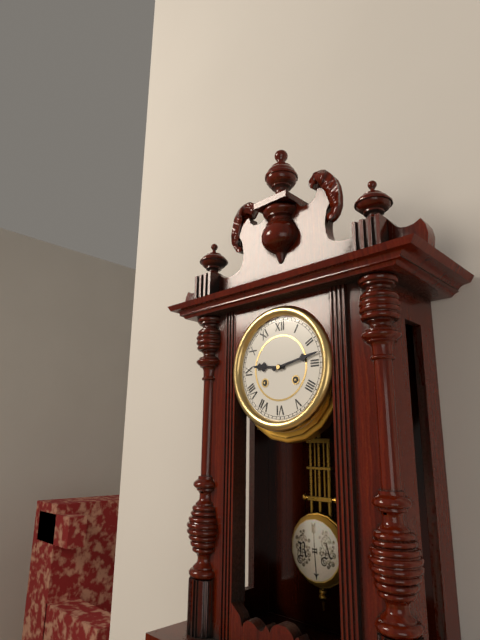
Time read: 9:13
